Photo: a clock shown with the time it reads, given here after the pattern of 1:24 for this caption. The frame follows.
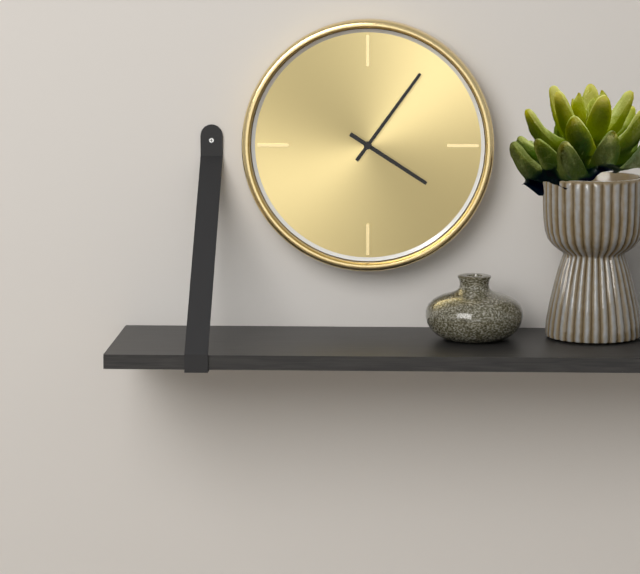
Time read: 4:06
